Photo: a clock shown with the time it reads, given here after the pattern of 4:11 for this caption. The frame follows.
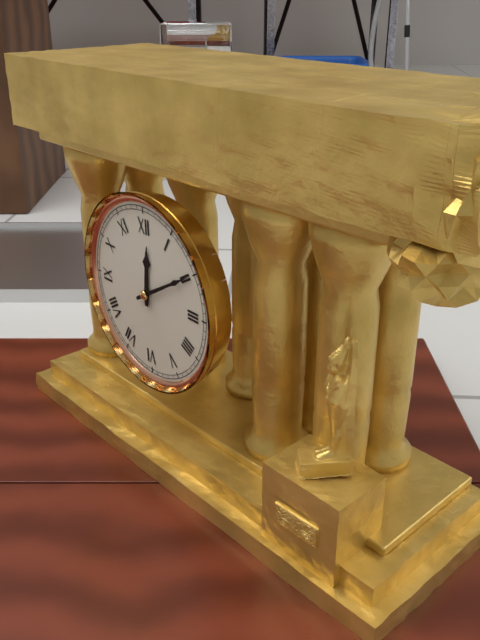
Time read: 12:10
